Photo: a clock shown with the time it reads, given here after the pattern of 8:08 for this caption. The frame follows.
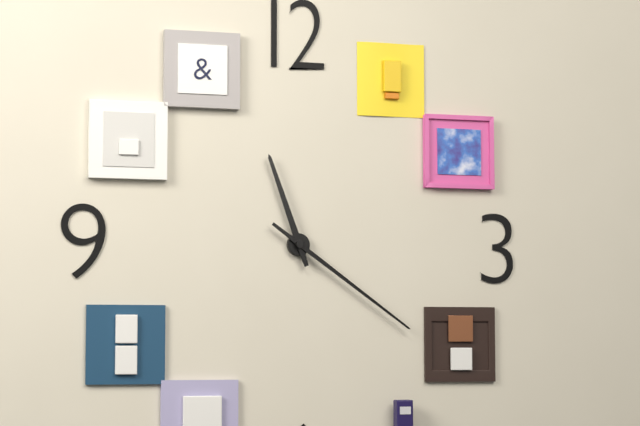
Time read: 11:21
